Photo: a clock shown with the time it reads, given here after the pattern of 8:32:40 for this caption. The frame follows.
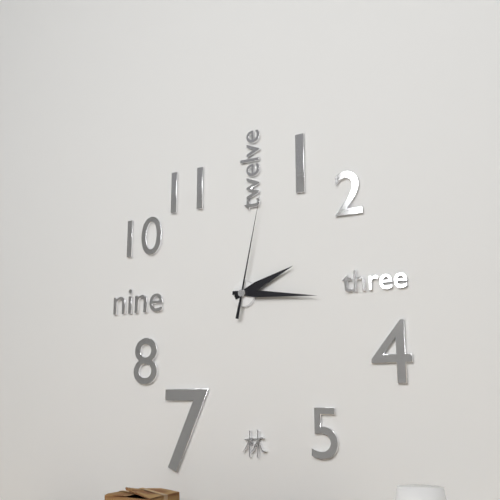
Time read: 2:16:02
